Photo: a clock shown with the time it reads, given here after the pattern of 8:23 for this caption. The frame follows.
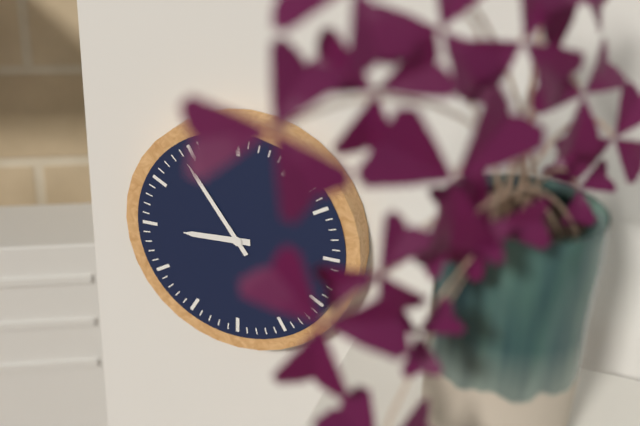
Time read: 8:54
